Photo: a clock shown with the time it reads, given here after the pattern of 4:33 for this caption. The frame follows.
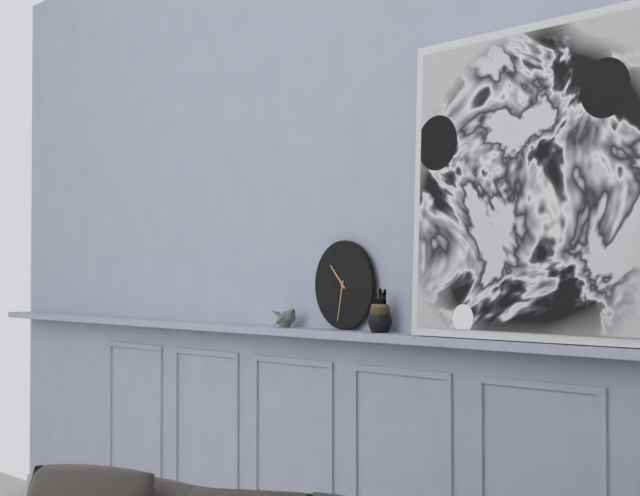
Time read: 10:32
